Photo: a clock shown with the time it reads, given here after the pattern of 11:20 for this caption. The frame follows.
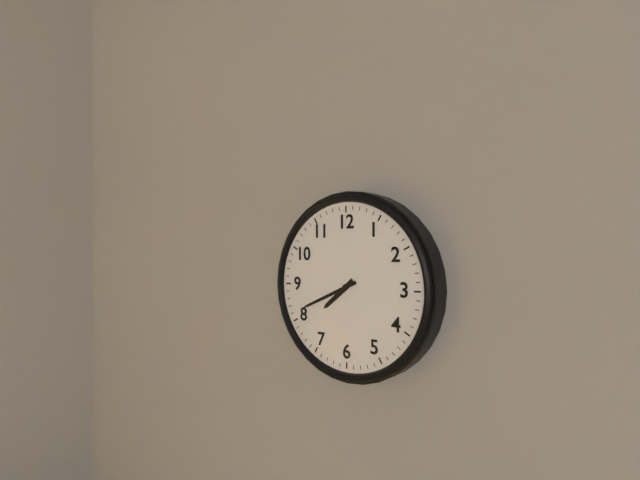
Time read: 7:41
